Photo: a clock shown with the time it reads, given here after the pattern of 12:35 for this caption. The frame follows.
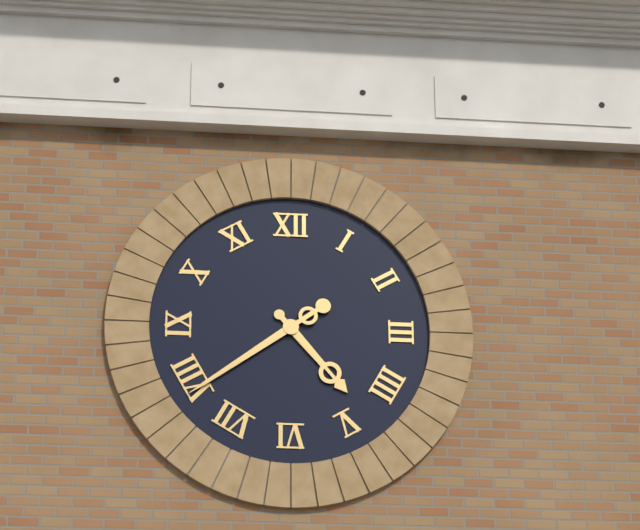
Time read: 4:39
